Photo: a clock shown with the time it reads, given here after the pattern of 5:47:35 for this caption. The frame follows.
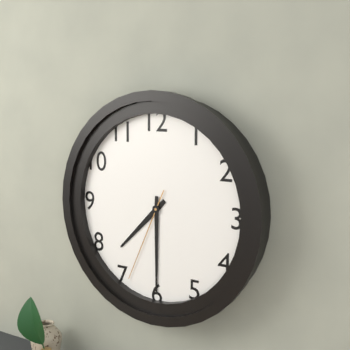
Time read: 7:30:34
